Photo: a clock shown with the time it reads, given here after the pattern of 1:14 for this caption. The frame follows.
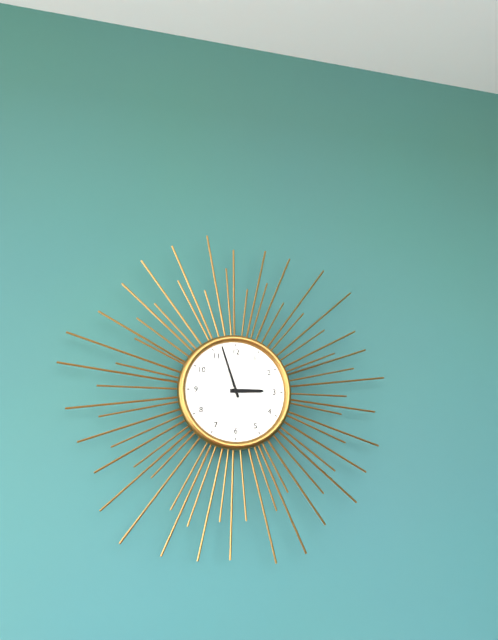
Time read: 2:57
